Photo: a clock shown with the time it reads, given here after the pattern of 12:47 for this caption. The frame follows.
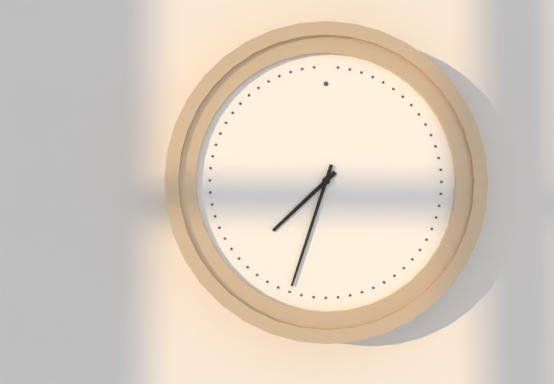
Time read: 7:33
